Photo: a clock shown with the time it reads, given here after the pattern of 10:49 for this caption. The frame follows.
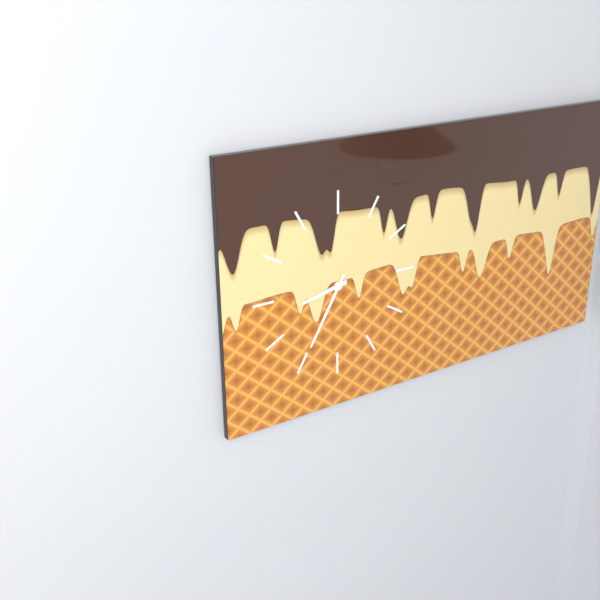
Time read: 8:35
